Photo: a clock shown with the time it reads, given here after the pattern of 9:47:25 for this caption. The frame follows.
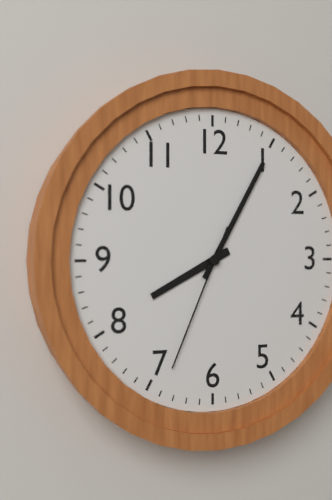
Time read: 8:05:34
